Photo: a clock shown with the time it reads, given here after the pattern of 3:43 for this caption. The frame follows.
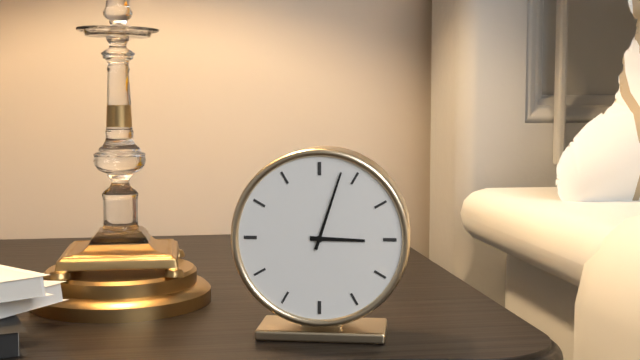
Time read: 3:03
